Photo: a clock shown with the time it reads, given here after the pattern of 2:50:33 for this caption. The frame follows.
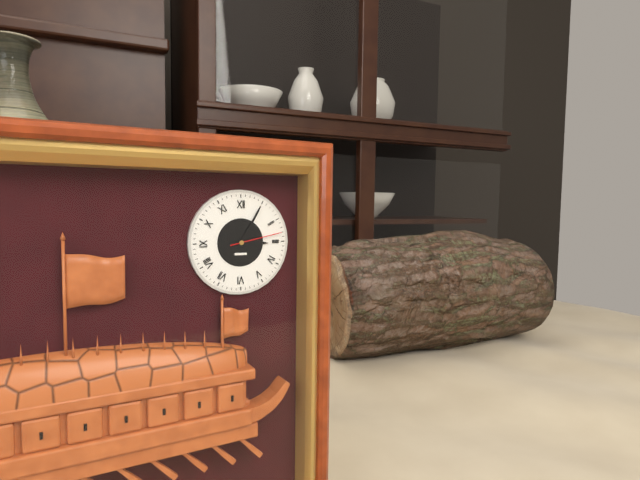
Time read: 3:05:13
